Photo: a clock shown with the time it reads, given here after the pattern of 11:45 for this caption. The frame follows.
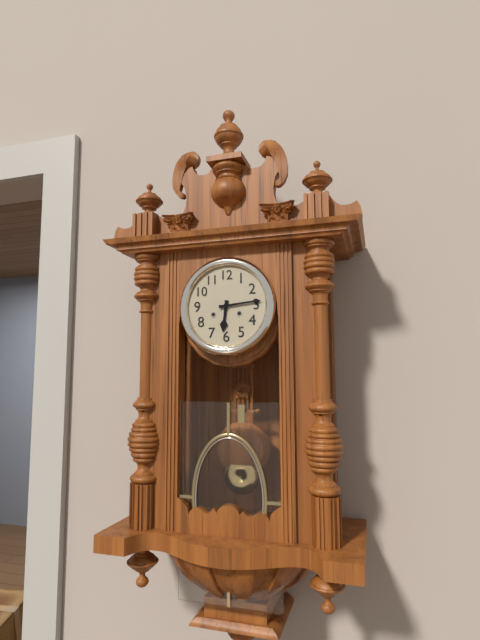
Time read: 6:14
